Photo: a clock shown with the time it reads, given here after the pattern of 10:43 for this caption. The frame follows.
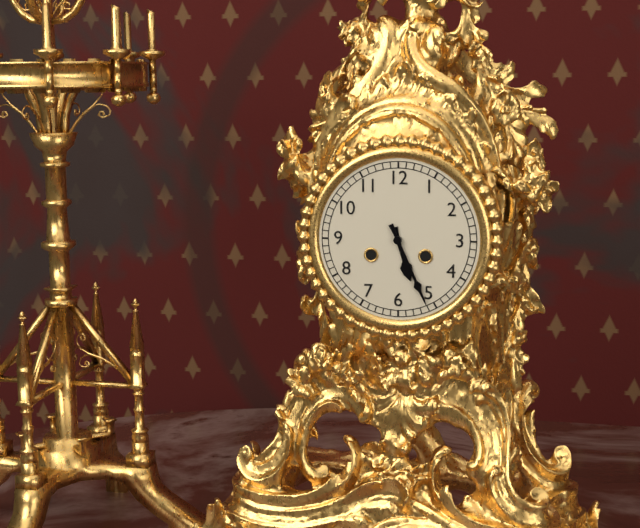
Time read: 5:26
